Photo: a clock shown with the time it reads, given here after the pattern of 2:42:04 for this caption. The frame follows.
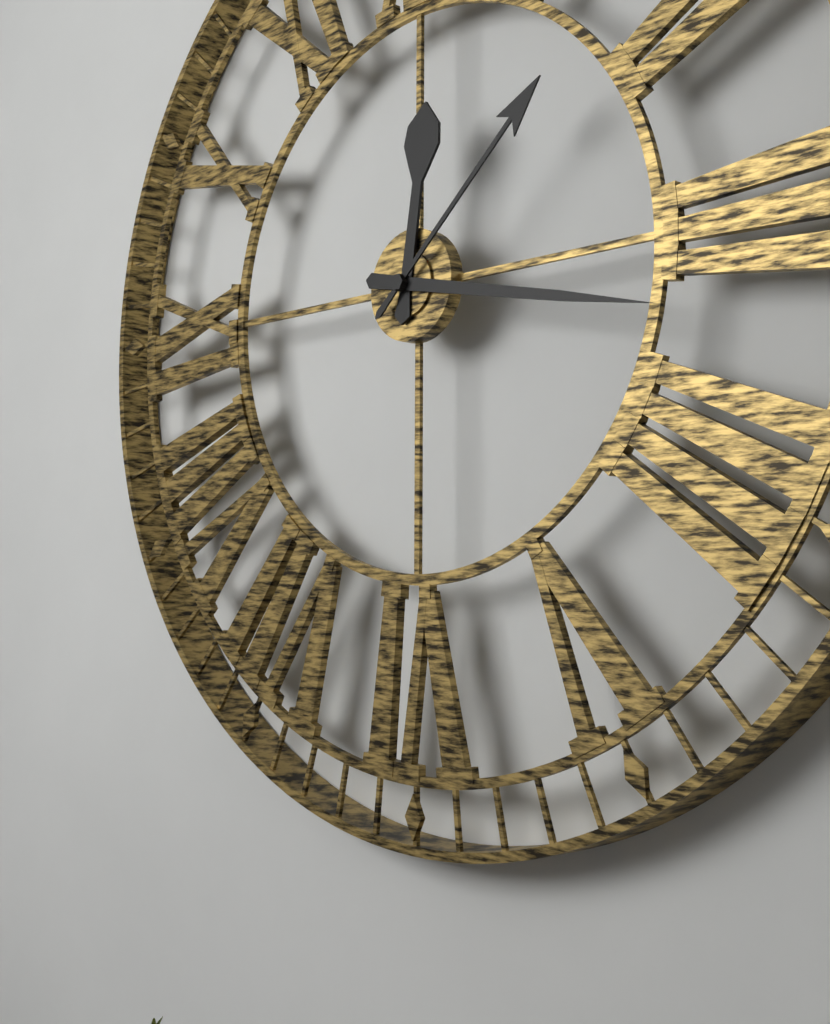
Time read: 12:17:08
